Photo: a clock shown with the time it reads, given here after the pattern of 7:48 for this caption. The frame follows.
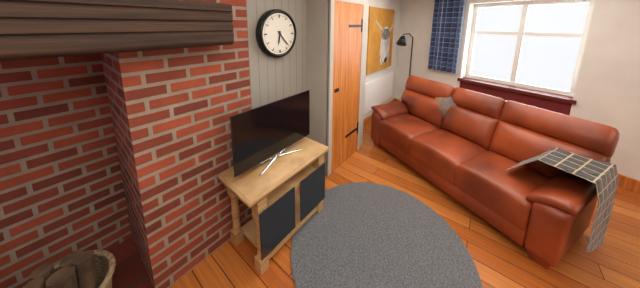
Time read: 6:23
